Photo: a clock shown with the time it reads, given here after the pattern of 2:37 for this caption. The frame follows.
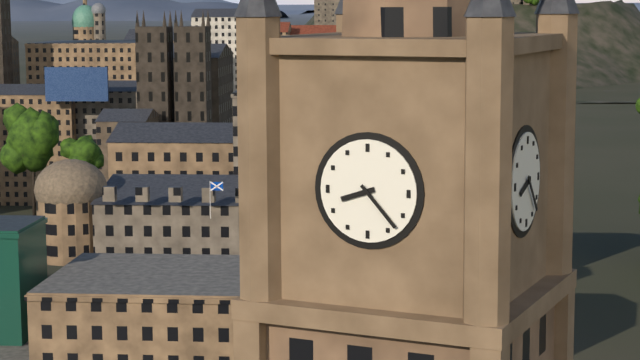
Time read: 8:23
